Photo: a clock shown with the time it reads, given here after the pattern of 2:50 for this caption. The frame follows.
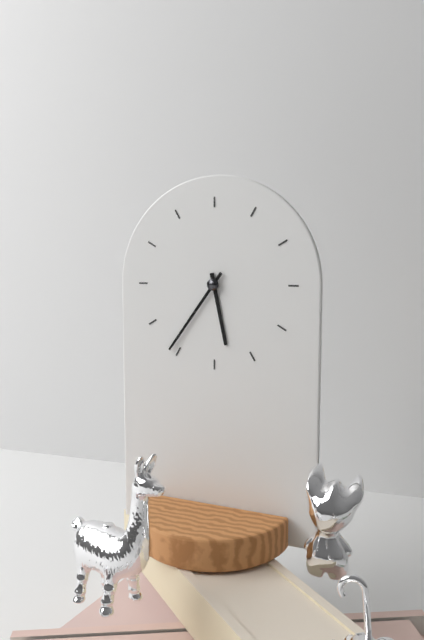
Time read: 5:36
